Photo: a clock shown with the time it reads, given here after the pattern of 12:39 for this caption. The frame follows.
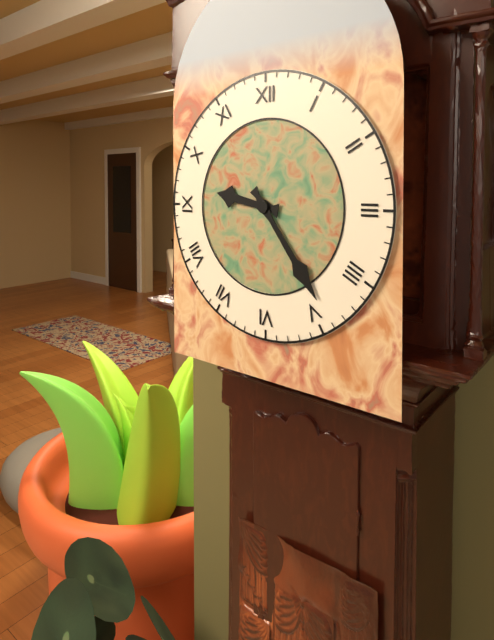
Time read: 9:24
